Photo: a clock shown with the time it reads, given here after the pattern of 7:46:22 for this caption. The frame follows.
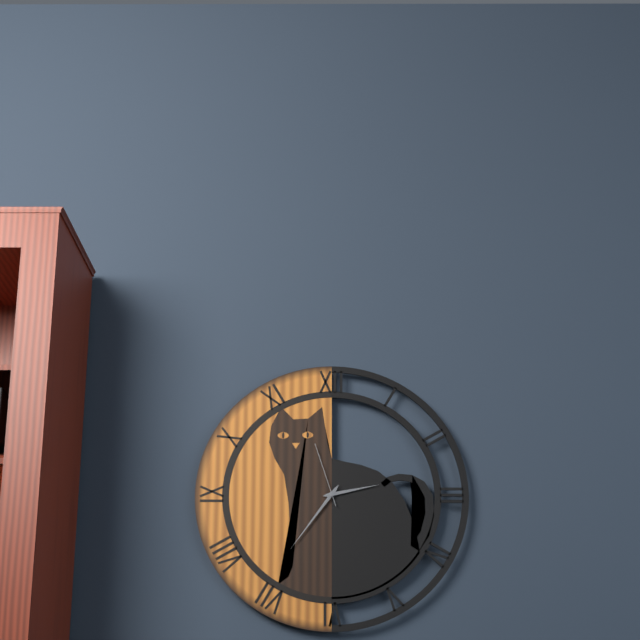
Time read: 2:36:57
